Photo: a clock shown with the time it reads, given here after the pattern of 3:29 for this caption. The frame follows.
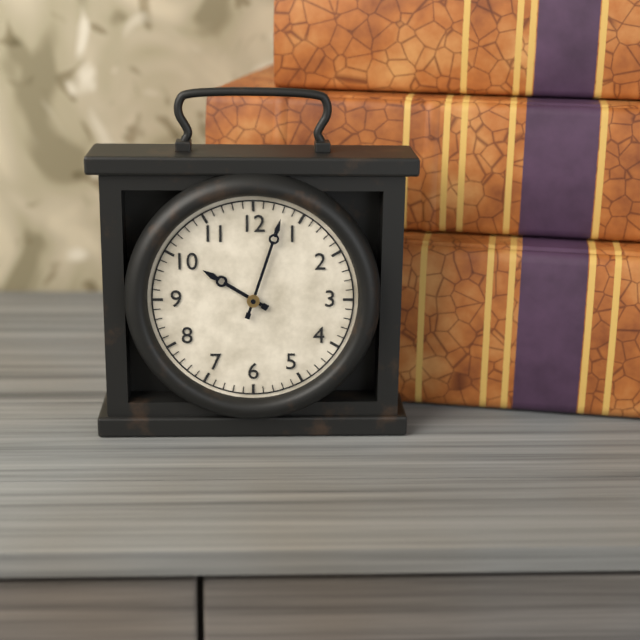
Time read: 10:03
